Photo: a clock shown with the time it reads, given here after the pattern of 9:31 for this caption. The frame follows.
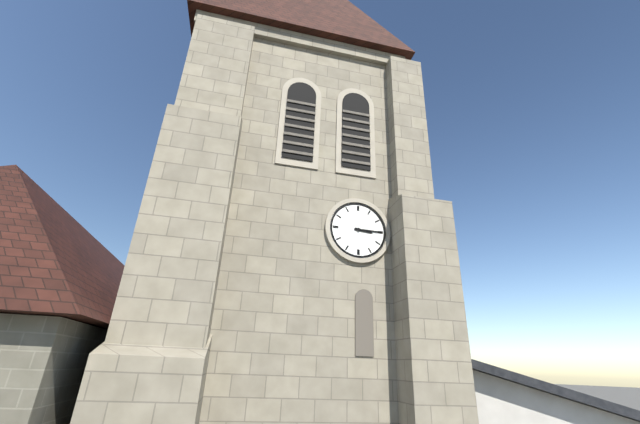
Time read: 3:15
